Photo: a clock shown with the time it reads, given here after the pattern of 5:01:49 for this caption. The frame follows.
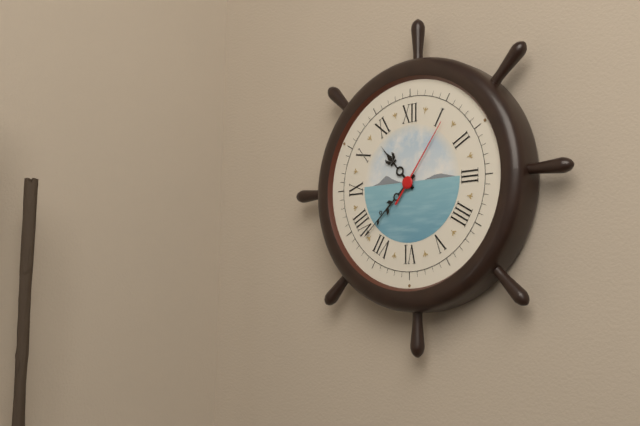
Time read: 10:38:06
